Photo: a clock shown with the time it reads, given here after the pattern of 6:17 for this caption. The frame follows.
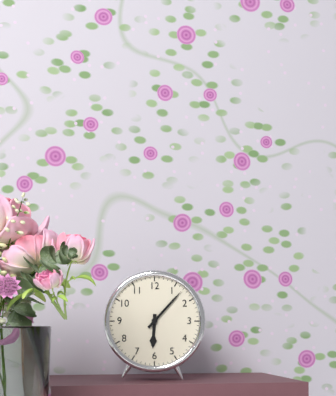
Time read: 6:07
